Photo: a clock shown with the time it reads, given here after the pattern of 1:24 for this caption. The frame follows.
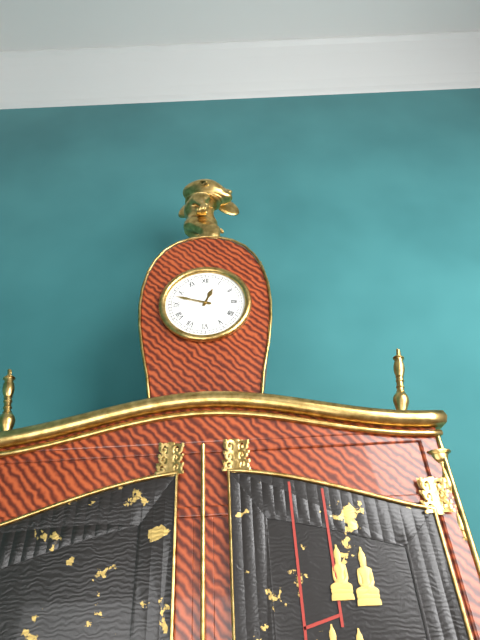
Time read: 12:48
